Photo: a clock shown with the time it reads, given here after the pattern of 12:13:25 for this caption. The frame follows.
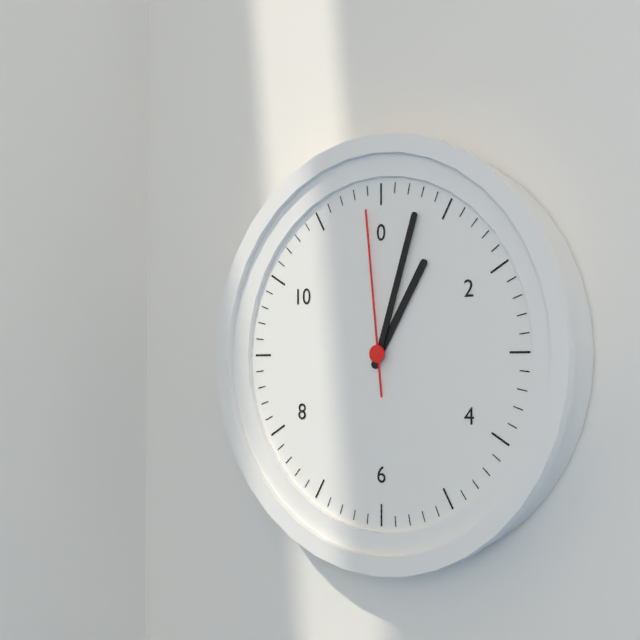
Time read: 1:03:59
